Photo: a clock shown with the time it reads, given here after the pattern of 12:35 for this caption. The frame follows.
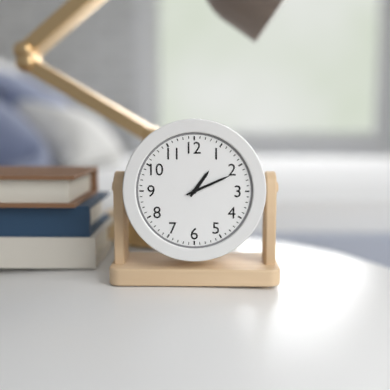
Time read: 1:11
